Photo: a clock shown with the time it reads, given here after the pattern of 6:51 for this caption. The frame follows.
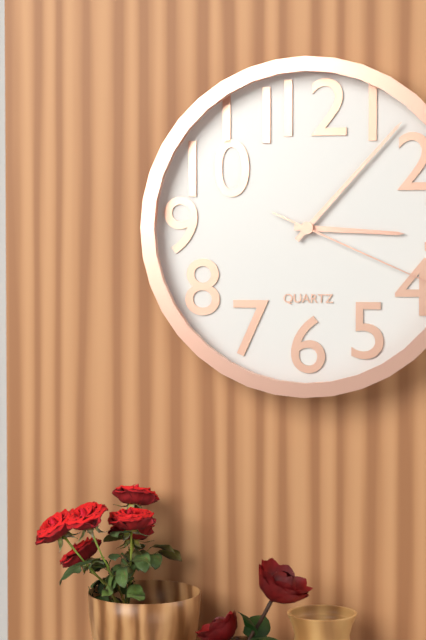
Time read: 3:07
